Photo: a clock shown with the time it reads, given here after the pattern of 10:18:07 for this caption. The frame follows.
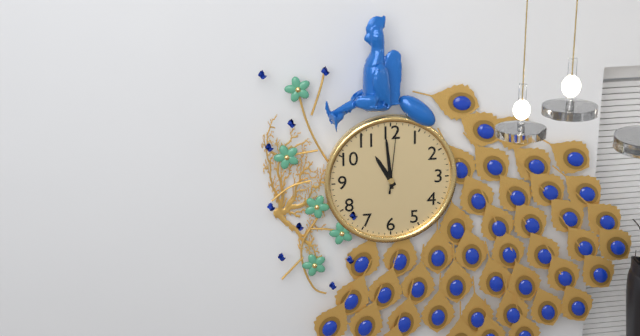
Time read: 10:59:01
